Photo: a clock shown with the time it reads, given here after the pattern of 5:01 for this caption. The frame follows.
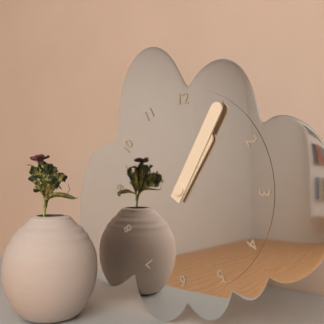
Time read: 1:05
